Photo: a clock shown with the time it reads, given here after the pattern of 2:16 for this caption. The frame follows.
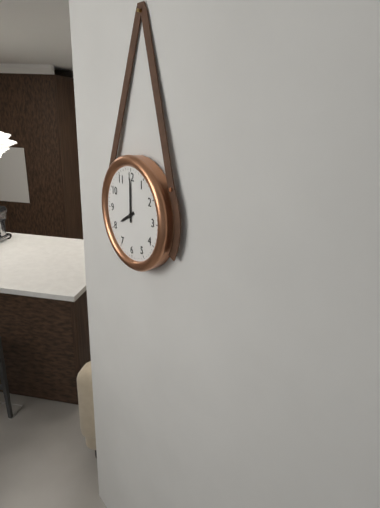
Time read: 8:00
